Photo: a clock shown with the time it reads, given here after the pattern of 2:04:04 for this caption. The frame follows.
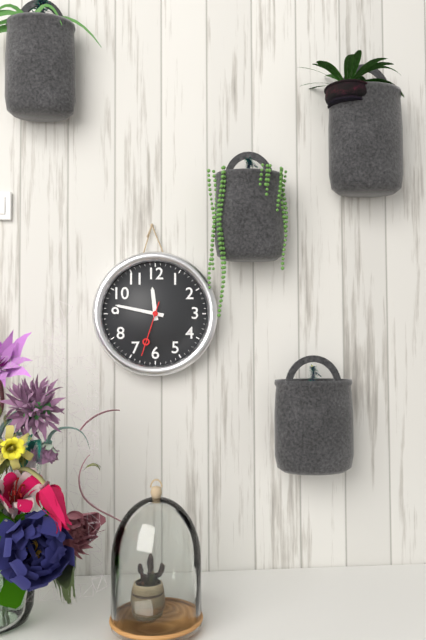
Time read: 11:47:33
